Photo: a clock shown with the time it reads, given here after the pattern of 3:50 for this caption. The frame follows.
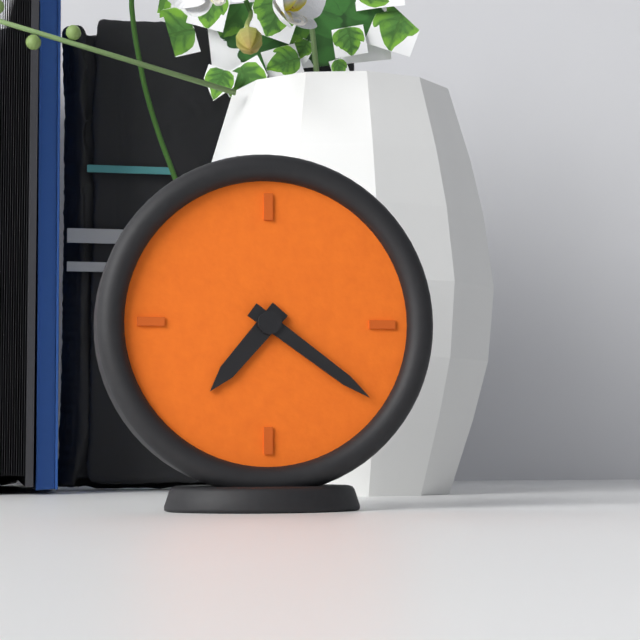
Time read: 7:21
